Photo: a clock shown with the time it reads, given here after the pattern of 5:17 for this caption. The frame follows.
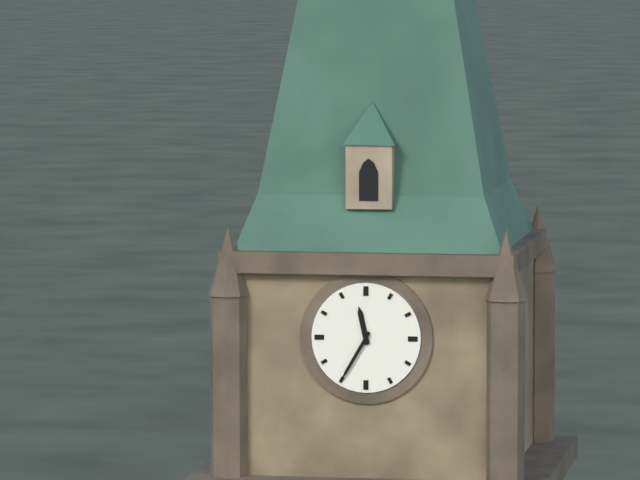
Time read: 11:35
